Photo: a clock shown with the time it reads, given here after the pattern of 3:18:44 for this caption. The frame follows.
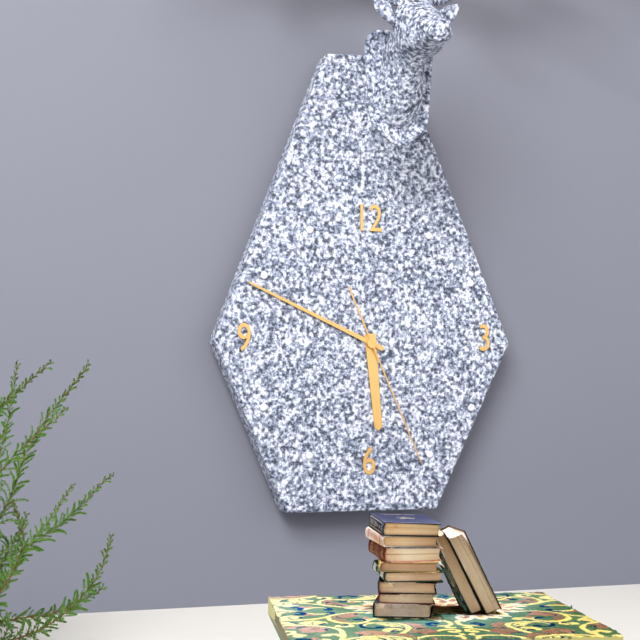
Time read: 5:49:26
